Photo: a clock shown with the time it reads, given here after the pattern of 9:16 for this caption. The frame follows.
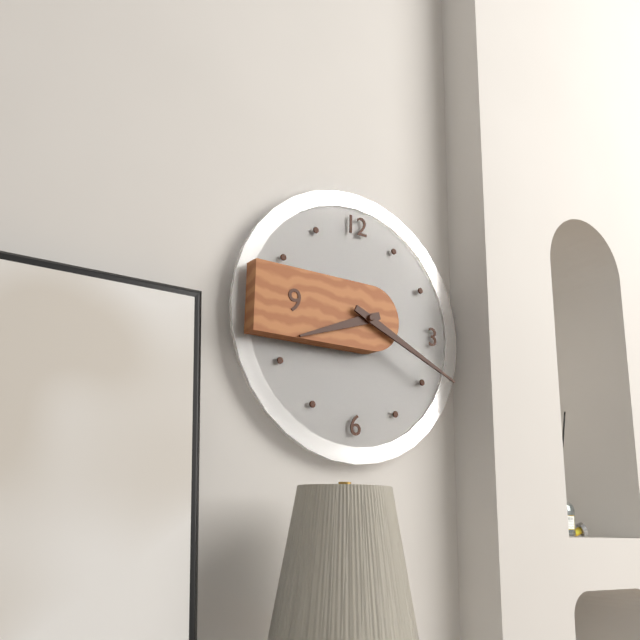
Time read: 8:19
